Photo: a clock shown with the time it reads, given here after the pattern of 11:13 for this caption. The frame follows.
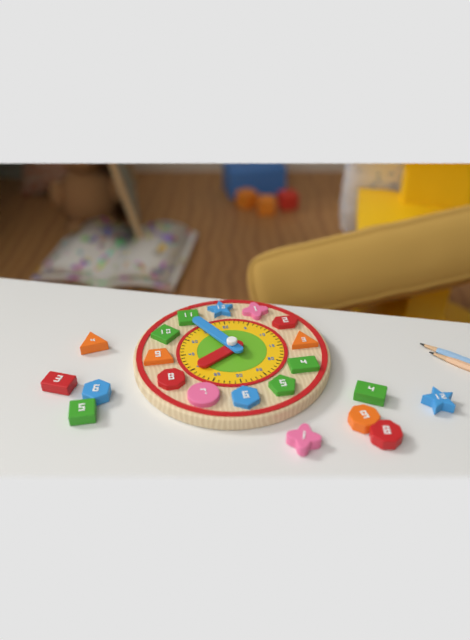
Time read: 7:55
